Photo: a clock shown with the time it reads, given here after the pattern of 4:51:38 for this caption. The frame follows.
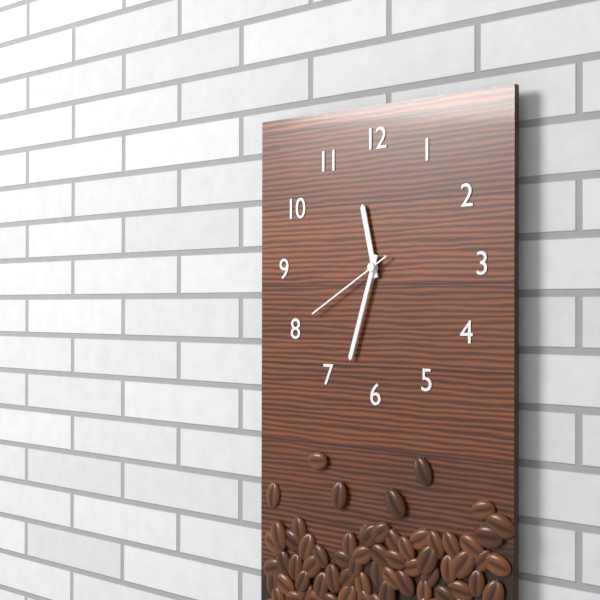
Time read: 11:33:40
